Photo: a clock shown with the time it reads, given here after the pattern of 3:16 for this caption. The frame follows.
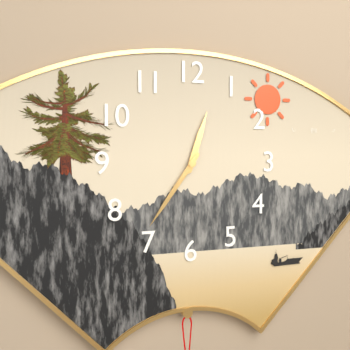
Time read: 12:36
